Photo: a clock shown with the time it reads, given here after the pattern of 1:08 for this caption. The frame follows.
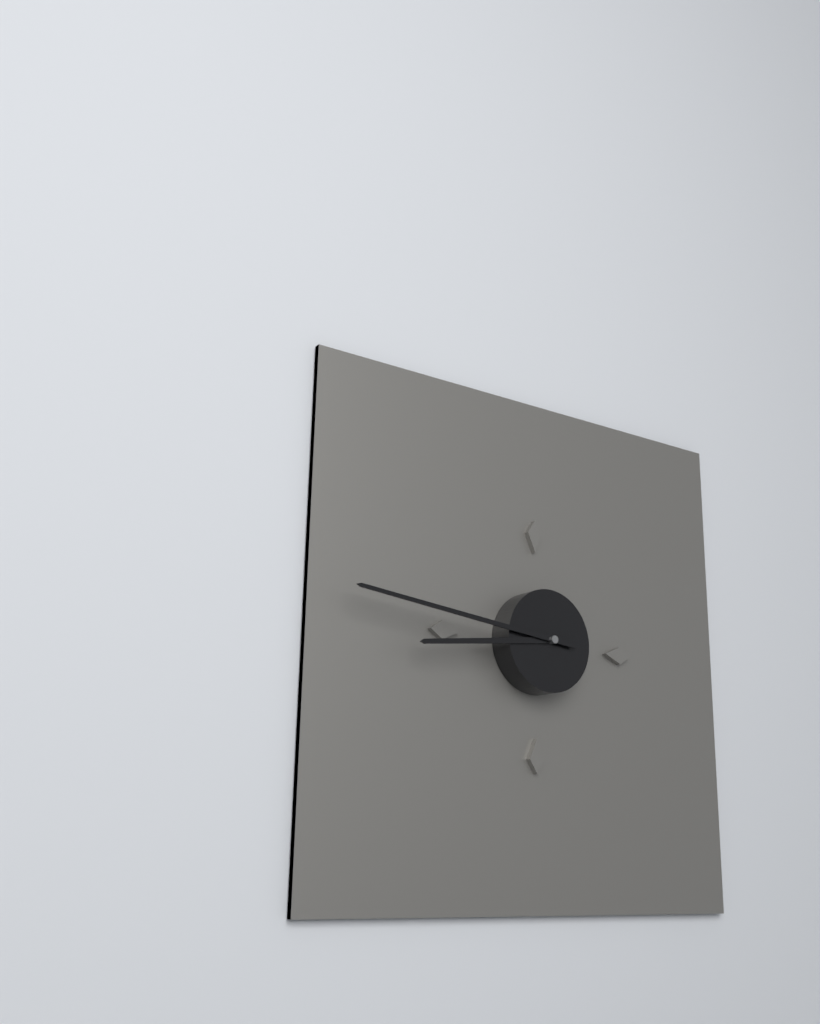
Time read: 8:46
